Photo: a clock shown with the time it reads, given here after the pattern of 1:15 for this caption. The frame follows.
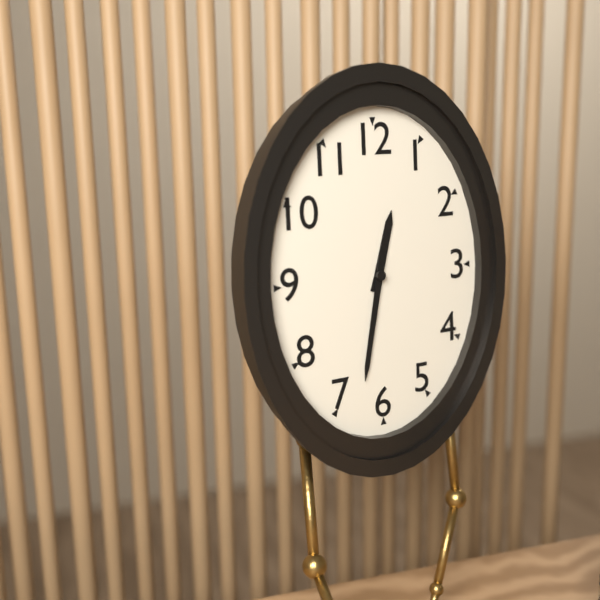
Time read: 12:32
